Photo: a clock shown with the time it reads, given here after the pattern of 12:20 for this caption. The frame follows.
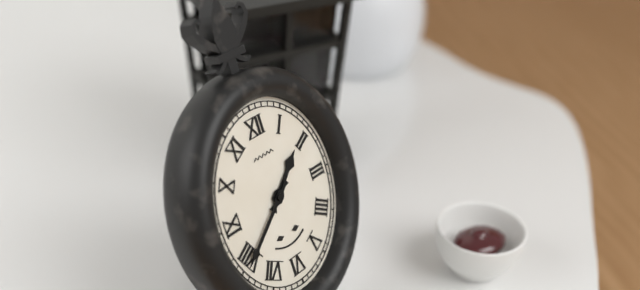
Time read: 1:39
